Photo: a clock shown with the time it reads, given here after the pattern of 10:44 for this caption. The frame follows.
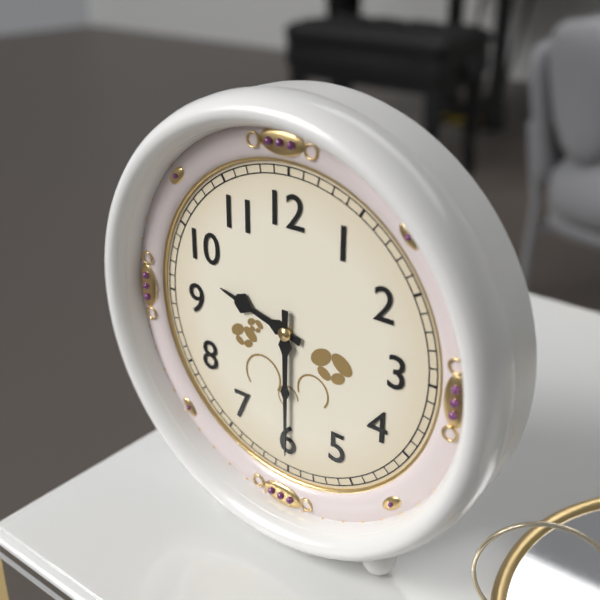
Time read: 9:30
